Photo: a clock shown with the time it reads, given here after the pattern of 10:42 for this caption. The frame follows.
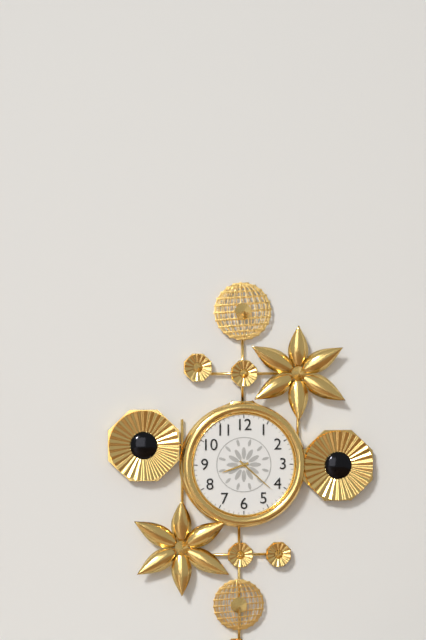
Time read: 8:22
